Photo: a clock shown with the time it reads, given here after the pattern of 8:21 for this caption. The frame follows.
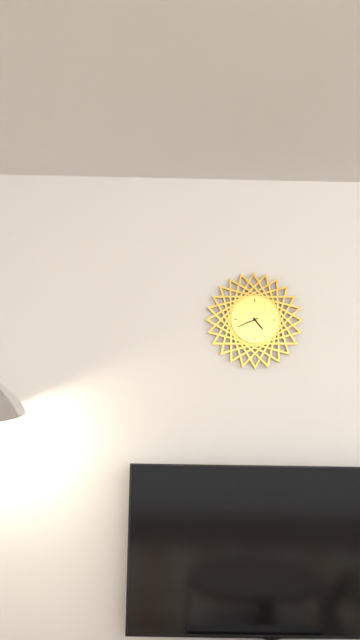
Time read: 4:41
